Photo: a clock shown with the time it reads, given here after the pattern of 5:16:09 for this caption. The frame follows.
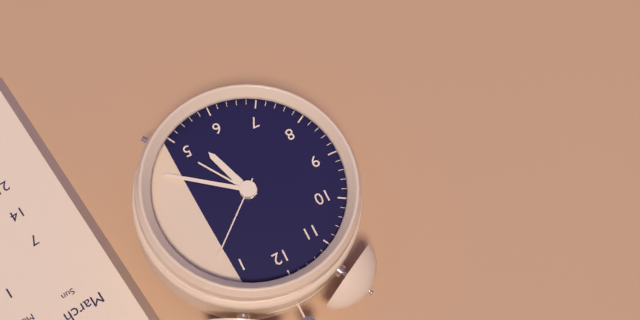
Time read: 5:21:08
